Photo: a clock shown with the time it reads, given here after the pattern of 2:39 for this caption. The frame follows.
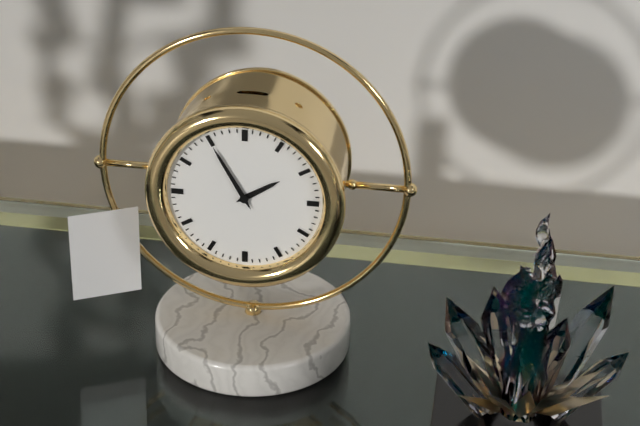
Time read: 1:55
